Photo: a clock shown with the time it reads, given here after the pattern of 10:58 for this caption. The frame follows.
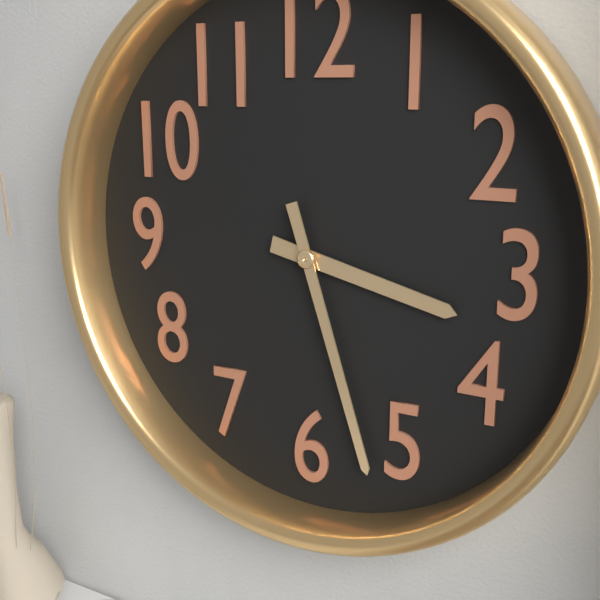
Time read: 3:27
